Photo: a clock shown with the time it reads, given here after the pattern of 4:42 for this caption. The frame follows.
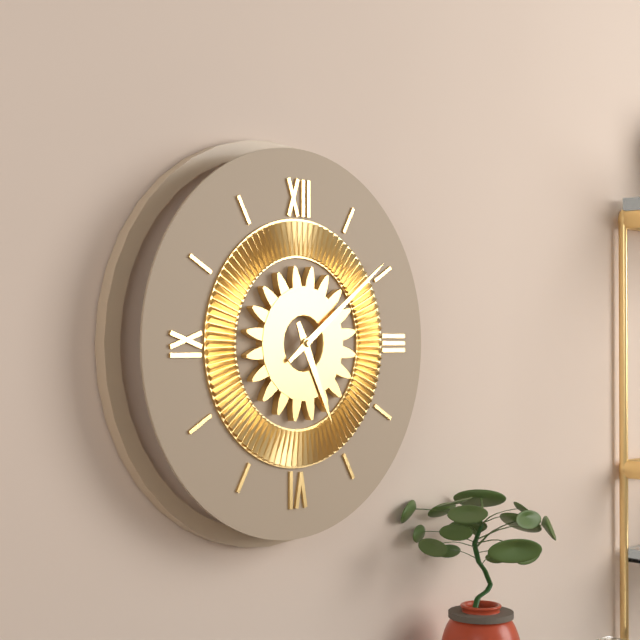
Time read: 5:09
